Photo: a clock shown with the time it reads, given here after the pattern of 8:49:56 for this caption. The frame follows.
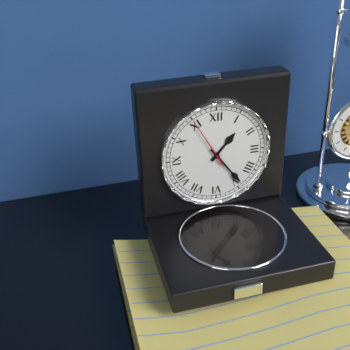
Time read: 1:24:55
